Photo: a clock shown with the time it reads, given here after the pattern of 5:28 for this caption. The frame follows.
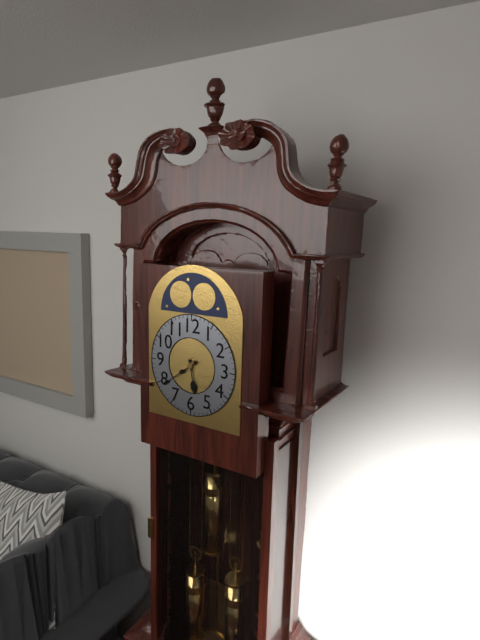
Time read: 5:39
